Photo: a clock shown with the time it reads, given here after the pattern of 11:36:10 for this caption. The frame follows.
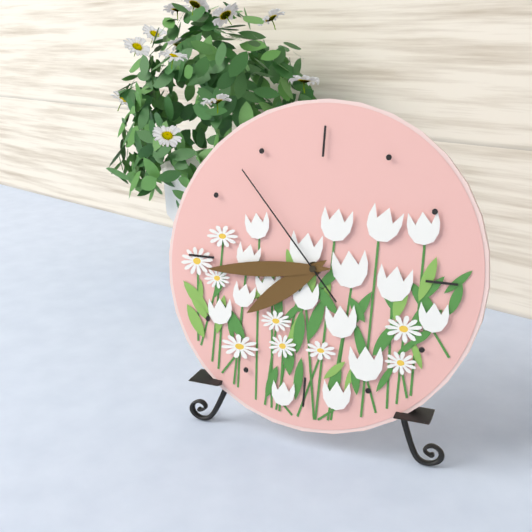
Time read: 7:44:53
